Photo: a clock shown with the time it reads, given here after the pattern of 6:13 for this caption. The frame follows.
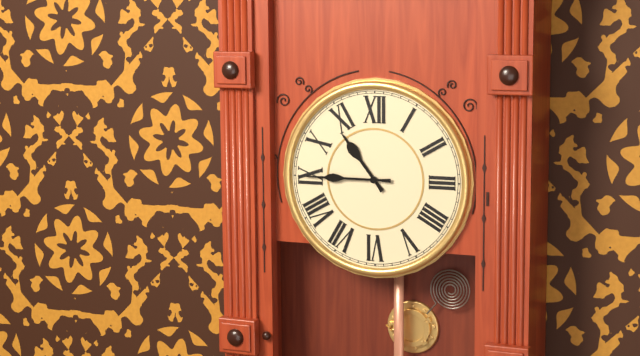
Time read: 10:45
